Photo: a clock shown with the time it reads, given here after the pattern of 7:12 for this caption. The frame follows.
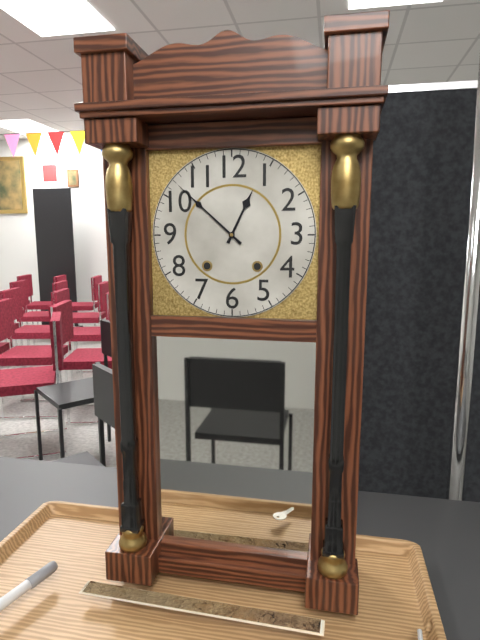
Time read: 12:52
